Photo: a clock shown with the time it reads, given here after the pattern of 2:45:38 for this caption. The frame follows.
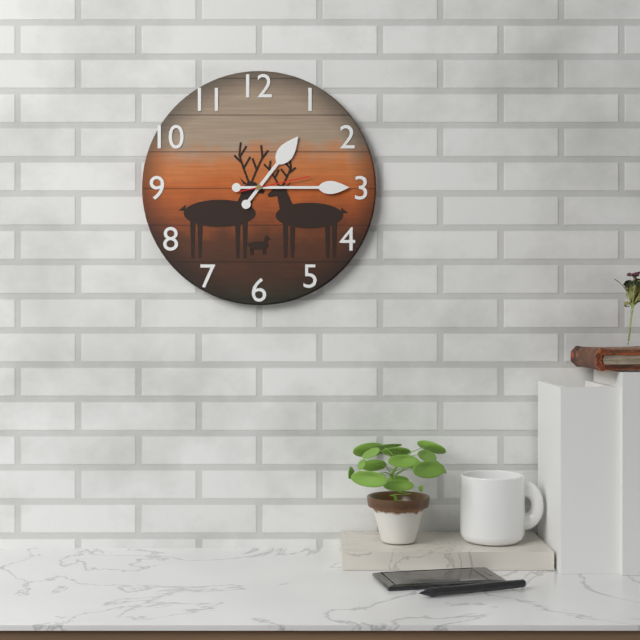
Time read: 1:15:13
